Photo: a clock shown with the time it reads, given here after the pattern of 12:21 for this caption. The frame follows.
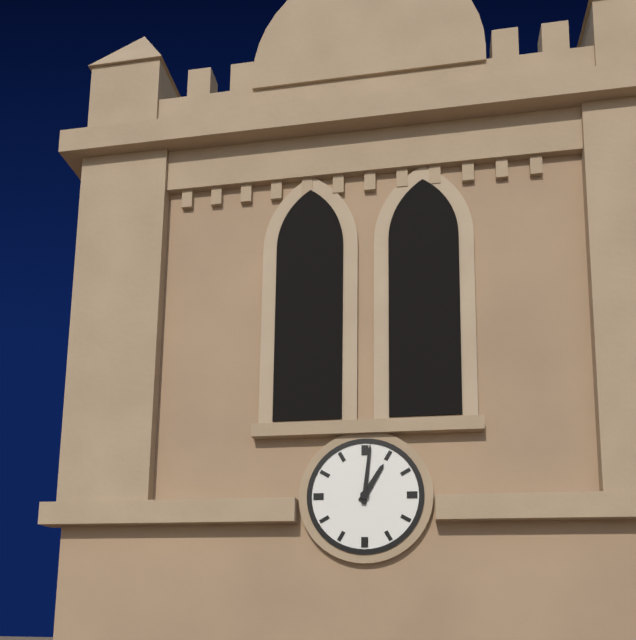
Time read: 1:01
